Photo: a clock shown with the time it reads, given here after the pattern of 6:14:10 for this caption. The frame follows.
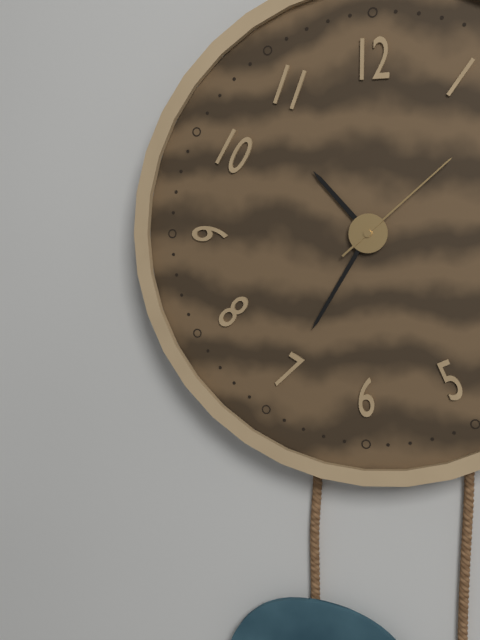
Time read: 10:35:08
